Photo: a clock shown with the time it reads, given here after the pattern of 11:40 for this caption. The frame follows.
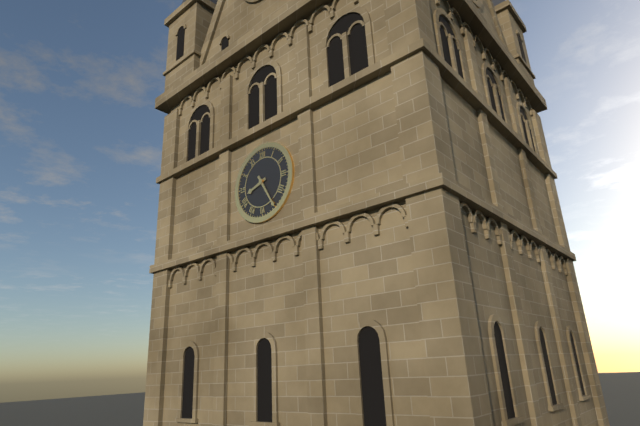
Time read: 8:25
